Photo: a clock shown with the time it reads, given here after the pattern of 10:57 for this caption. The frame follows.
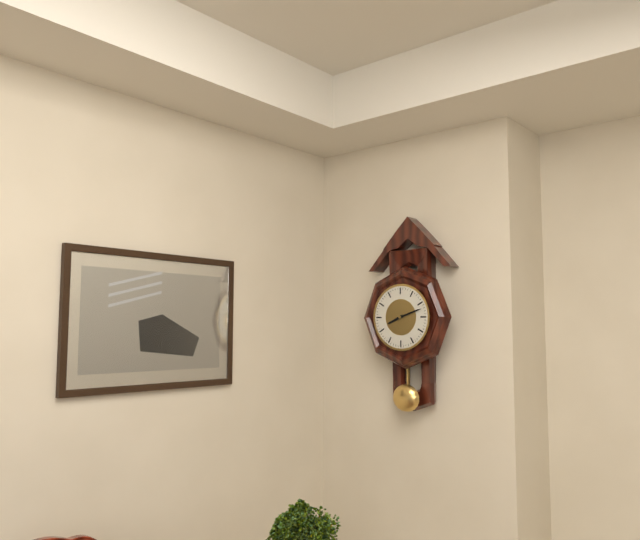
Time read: 8:12
